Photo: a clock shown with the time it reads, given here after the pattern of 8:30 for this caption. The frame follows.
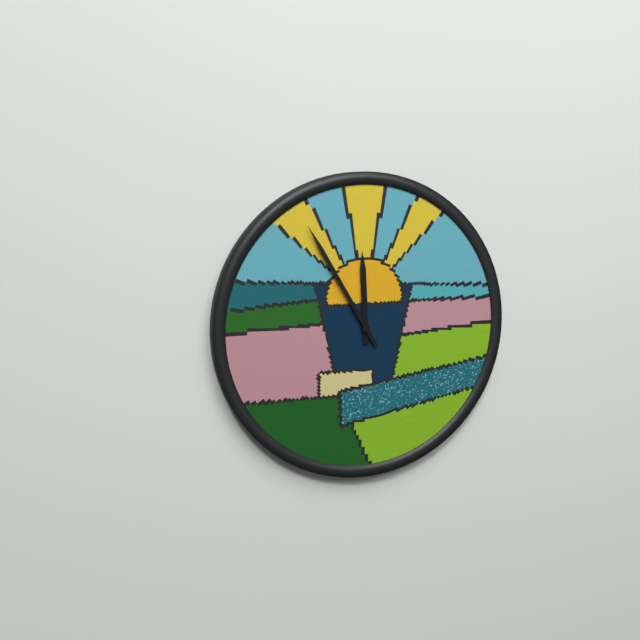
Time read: 11:55
